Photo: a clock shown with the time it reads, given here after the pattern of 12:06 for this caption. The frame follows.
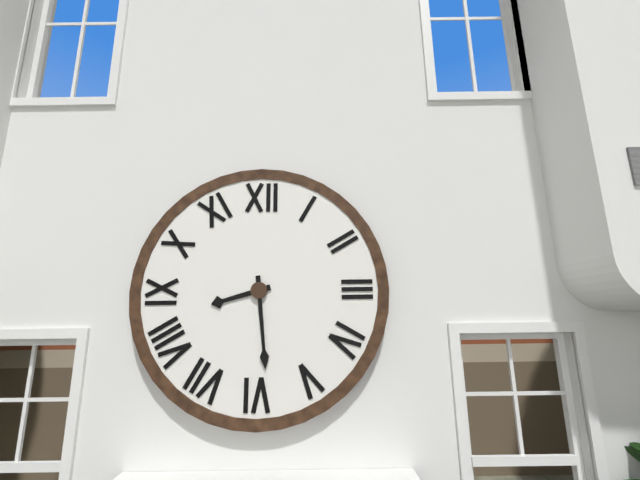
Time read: 8:29
